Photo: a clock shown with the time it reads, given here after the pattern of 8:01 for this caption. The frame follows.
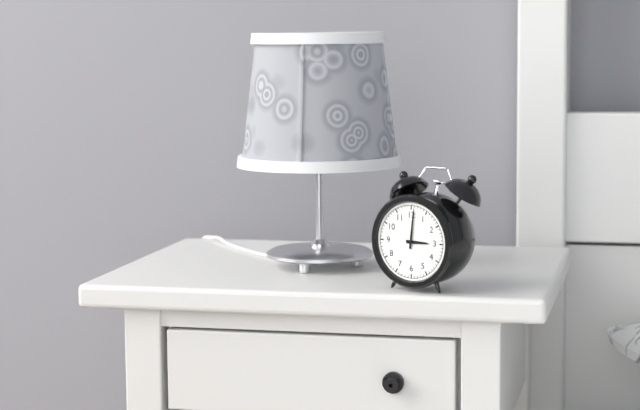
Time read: 3:01
